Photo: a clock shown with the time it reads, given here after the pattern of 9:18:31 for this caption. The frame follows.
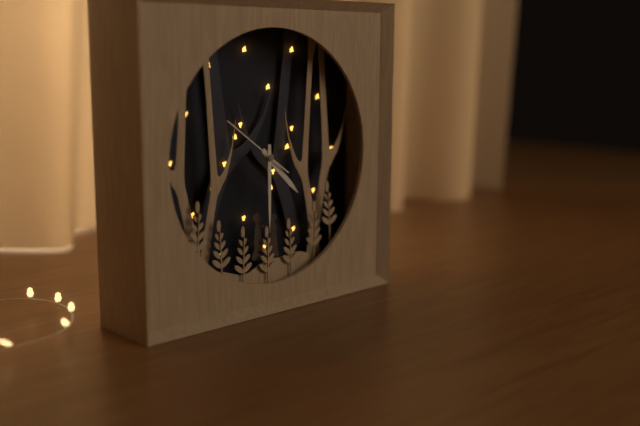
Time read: 4:30:51
